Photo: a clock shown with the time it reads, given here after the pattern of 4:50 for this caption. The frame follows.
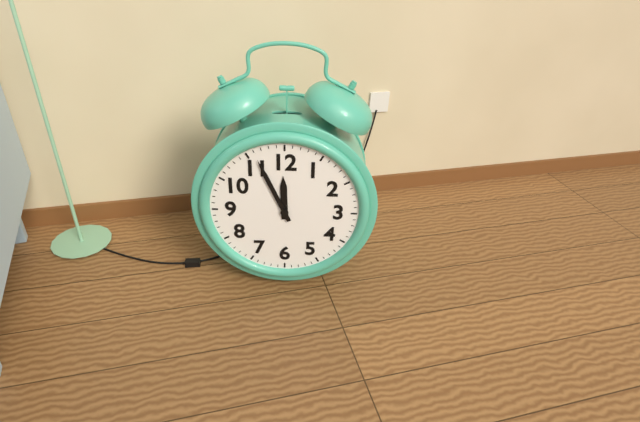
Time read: 11:56
